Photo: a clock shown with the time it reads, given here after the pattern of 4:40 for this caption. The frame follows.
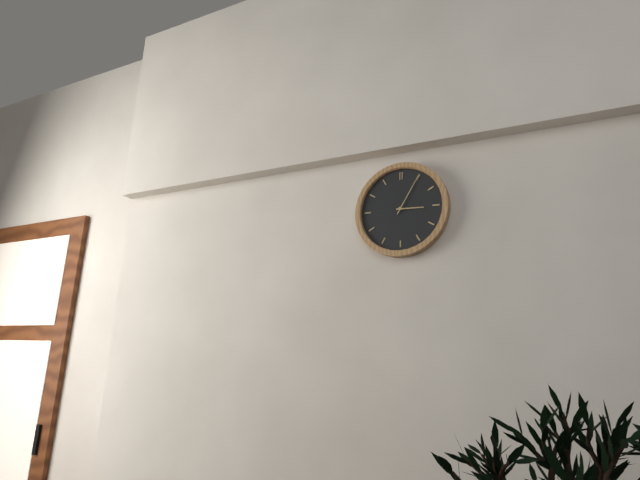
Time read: 3:05
